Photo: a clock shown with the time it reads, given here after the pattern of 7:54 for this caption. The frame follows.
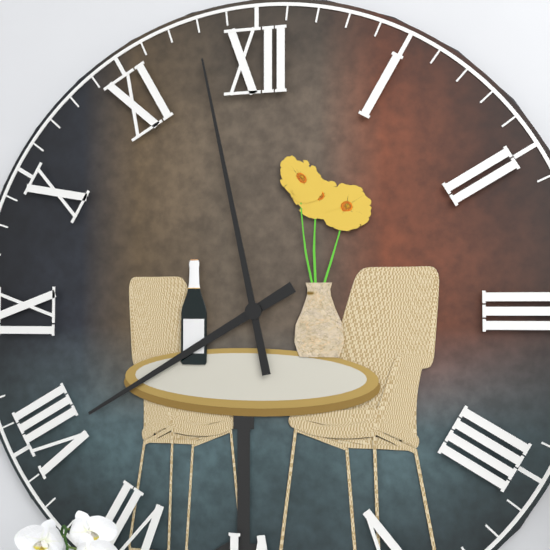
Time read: 7:58
